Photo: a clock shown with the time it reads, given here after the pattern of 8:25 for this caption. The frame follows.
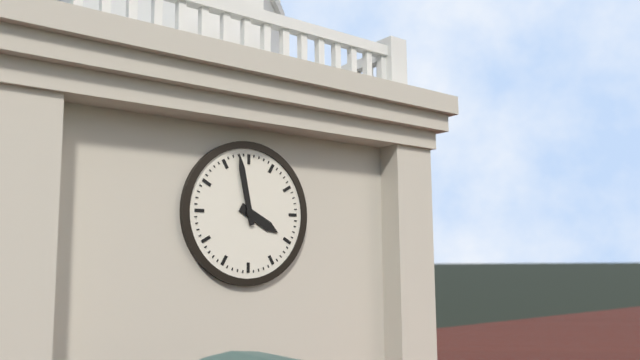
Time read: 3:58
